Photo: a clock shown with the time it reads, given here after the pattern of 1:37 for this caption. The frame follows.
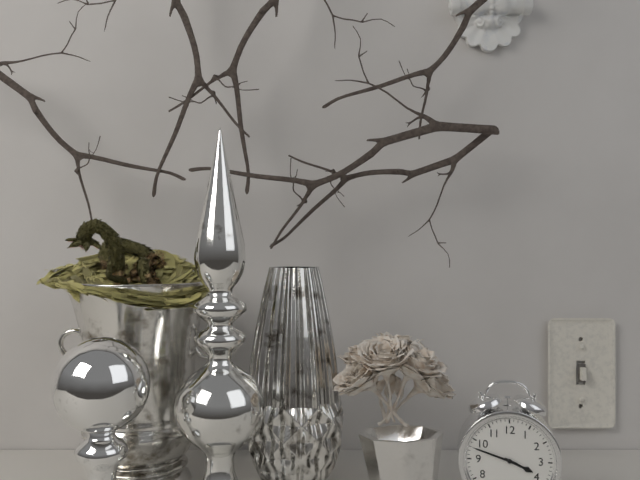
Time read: 3:48
